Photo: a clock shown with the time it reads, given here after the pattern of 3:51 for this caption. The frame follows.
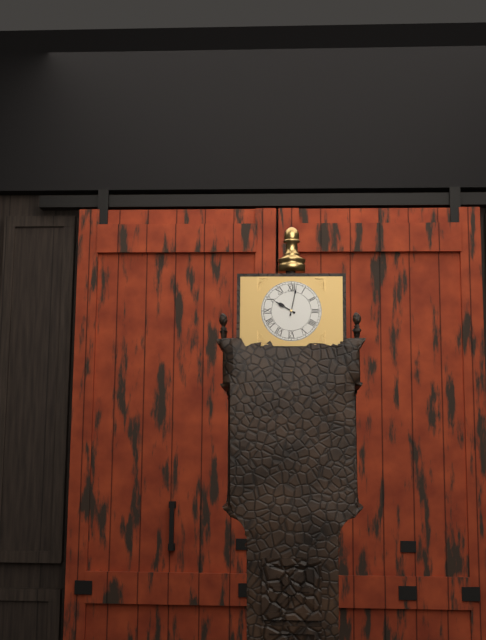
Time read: 10:02
